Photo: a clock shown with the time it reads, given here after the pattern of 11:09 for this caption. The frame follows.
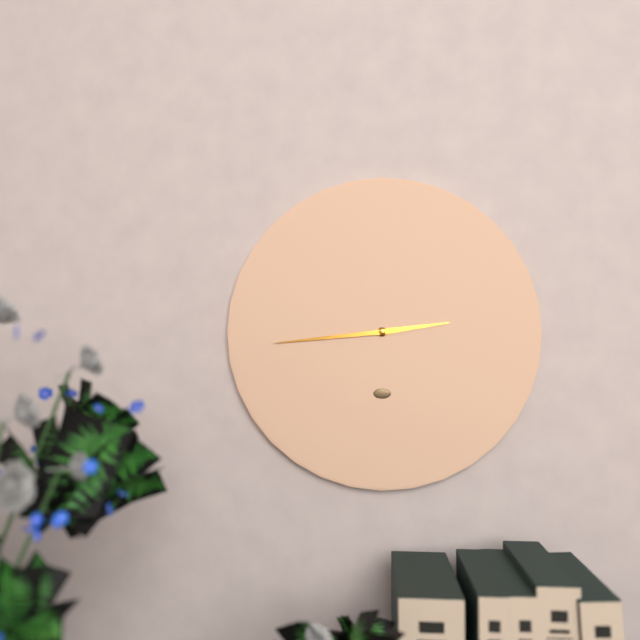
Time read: 2:44
